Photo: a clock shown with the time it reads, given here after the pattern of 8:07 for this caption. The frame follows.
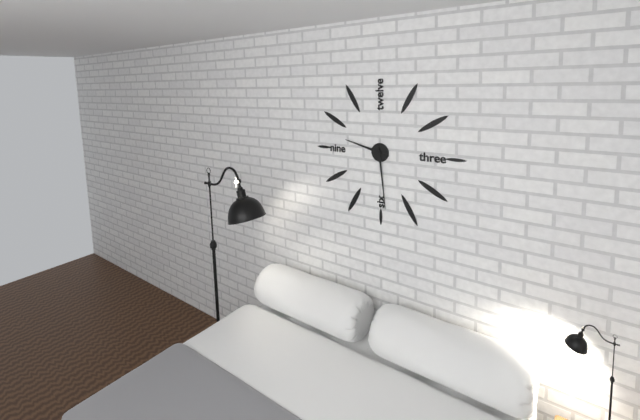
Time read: 9:29
